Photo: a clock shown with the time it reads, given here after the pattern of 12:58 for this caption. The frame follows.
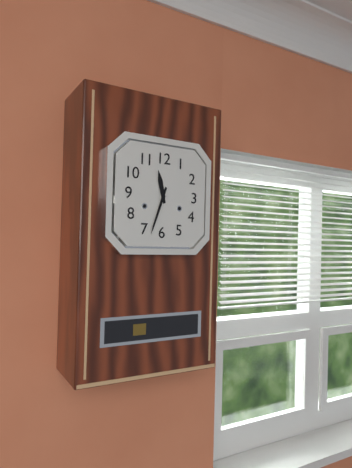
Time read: 11:33
